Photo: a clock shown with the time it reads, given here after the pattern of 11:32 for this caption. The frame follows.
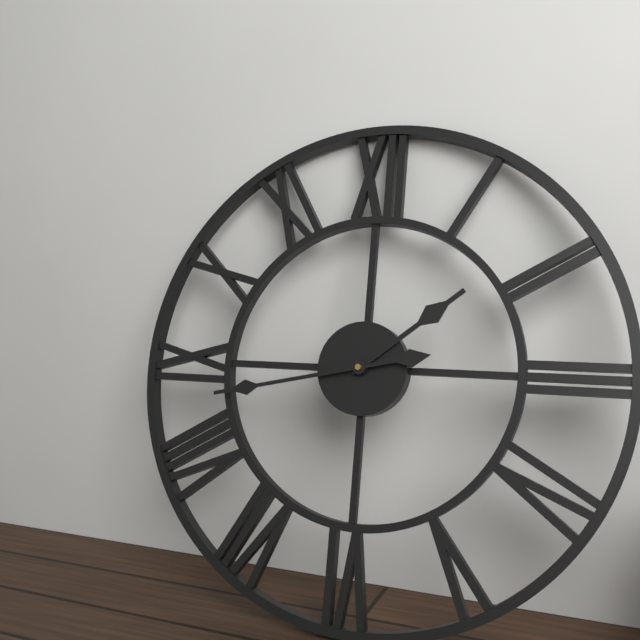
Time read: 1:43
